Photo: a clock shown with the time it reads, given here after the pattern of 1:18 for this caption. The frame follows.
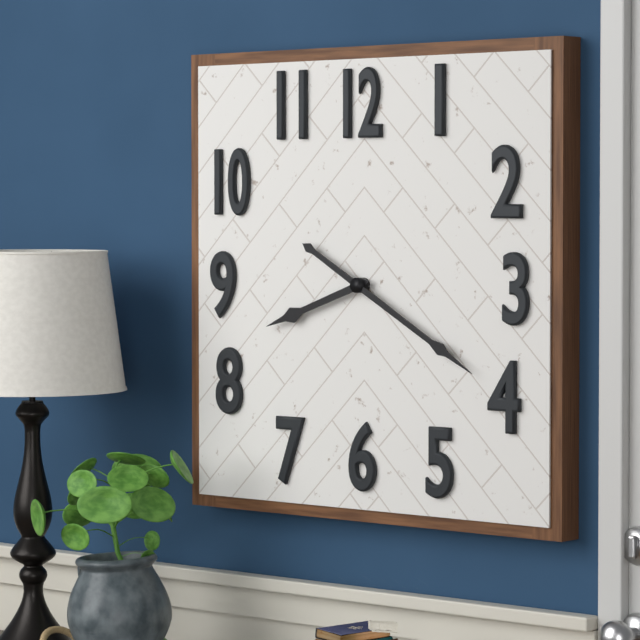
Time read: 8:20
